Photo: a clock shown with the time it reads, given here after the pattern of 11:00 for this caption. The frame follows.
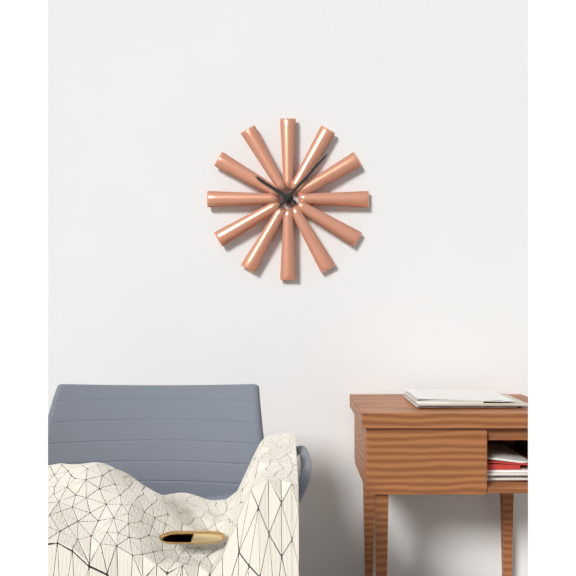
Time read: 10:07
